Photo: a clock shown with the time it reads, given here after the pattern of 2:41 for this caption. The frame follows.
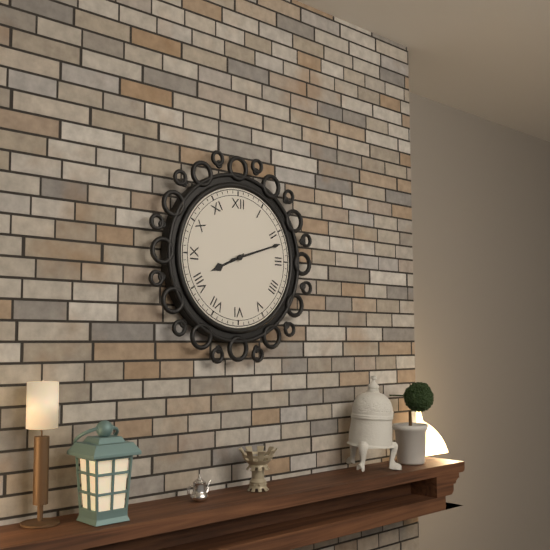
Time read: 8:12
